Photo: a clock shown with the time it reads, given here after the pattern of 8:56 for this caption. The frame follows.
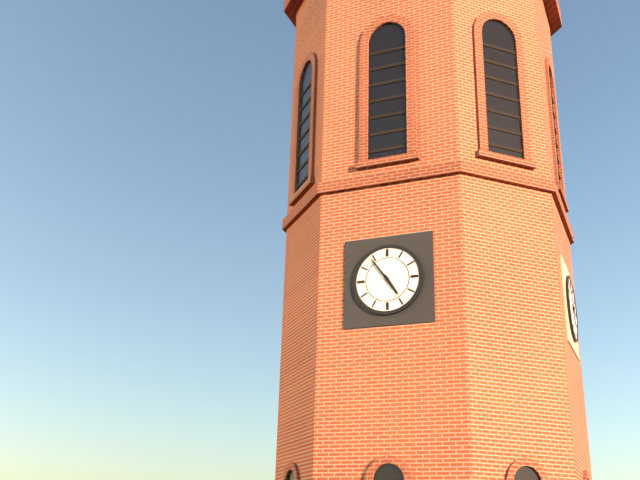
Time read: 4:54
